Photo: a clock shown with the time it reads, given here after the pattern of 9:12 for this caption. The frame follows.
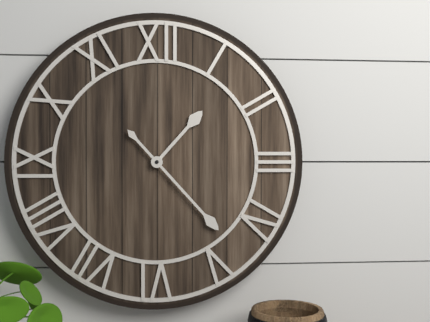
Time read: 1:23
